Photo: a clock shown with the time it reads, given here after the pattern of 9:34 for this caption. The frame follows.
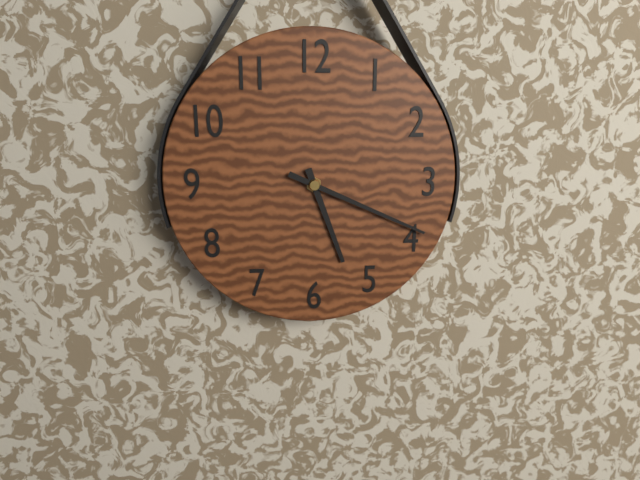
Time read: 5:19
